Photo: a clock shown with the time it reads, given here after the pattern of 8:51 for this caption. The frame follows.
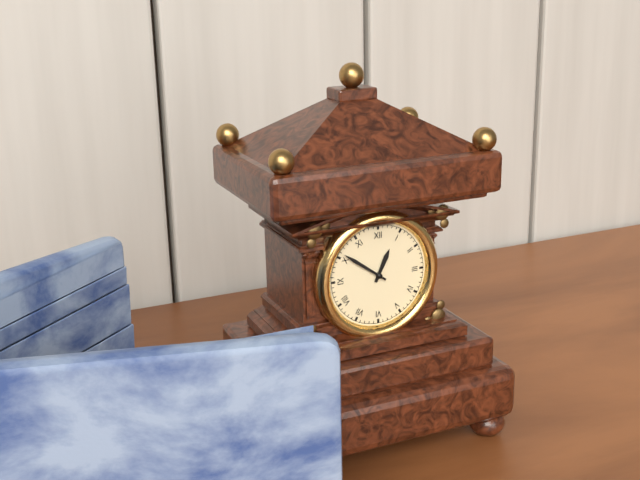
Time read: 12:51
